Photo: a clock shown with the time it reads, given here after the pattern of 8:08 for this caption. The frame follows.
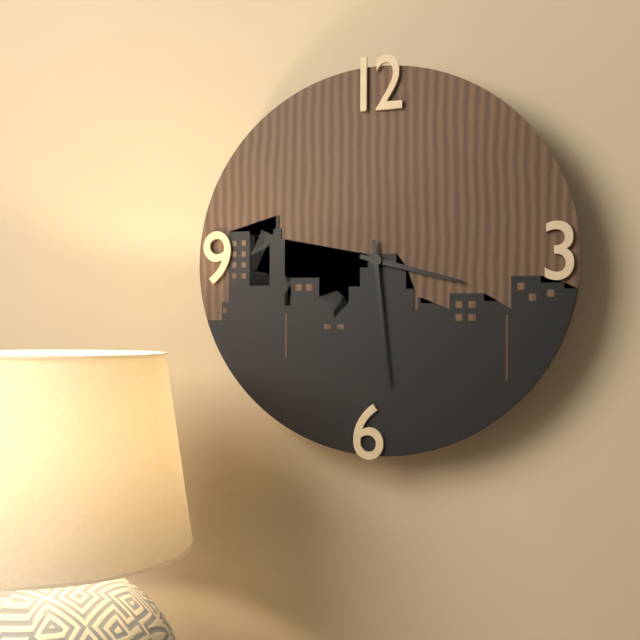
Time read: 3:29
